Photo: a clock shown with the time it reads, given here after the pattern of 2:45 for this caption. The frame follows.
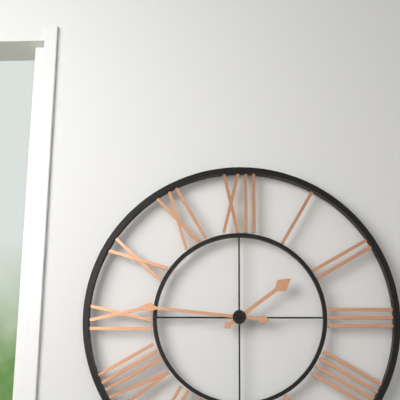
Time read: 1:46
